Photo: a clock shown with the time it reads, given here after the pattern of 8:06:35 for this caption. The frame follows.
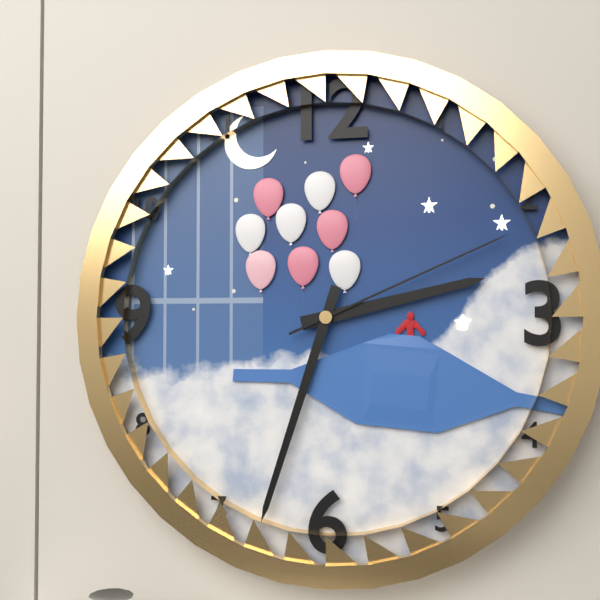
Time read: 2:33:11
